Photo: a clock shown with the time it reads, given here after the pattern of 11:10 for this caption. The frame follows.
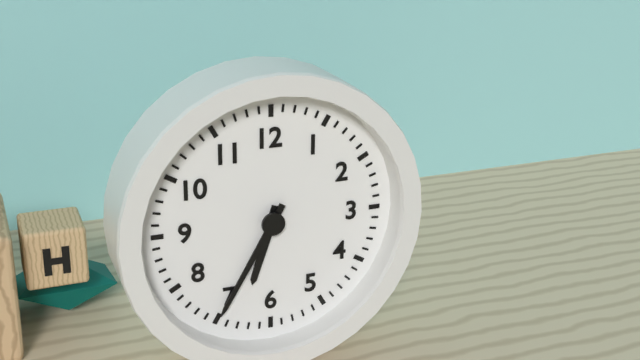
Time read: 6:35
